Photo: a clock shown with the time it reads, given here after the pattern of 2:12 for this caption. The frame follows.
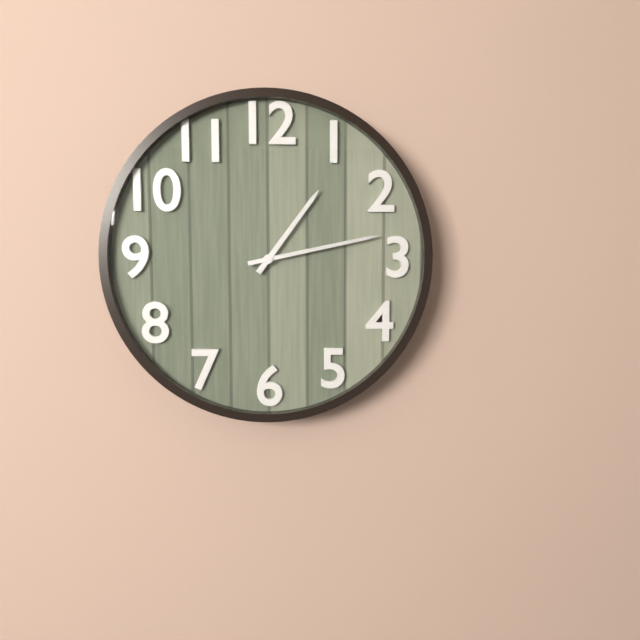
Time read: 1:13
